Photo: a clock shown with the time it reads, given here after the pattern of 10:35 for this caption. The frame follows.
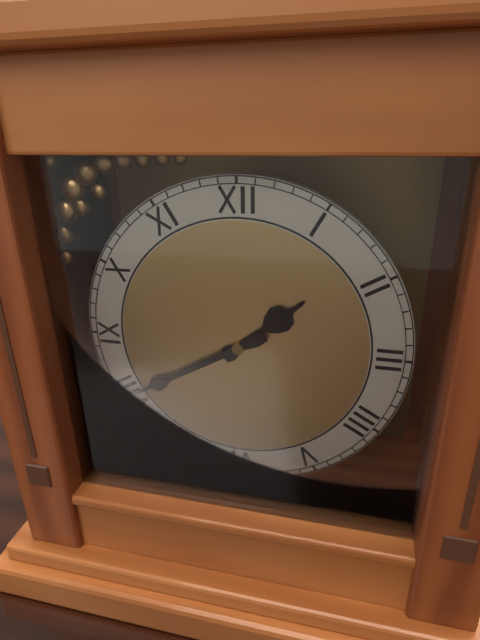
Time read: 1:40
